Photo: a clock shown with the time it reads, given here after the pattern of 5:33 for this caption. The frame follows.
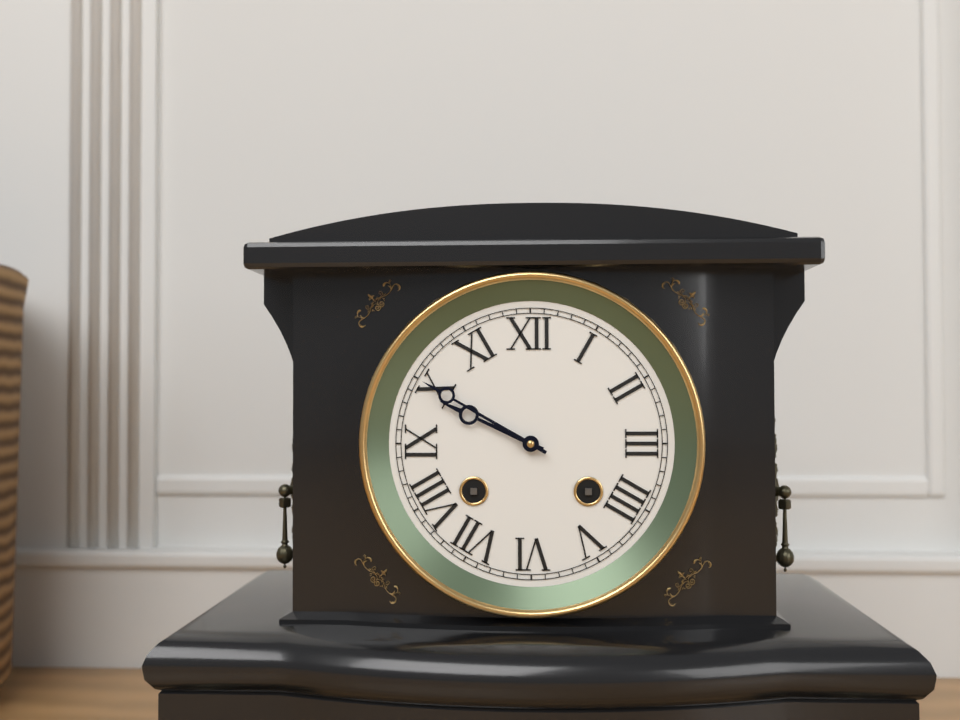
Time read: 9:50
